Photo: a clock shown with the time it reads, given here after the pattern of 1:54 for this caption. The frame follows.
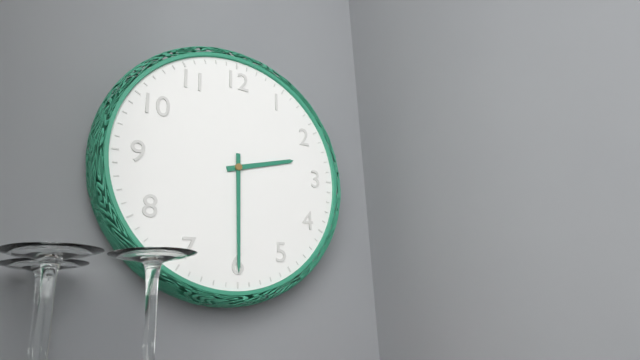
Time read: 2:30
